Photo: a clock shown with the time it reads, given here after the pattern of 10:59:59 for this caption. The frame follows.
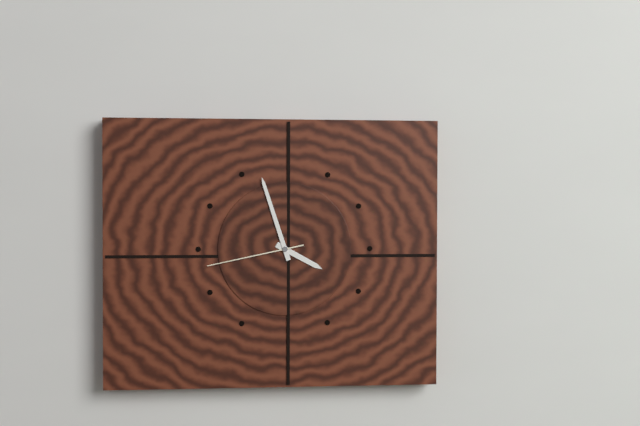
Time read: 3:57:43
